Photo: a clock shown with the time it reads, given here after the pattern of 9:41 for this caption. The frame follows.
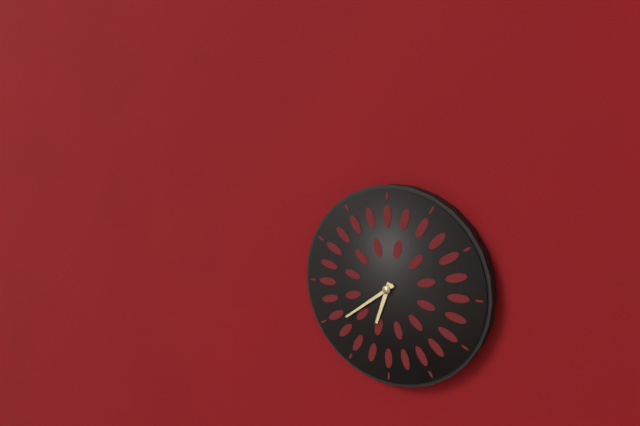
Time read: 6:39
